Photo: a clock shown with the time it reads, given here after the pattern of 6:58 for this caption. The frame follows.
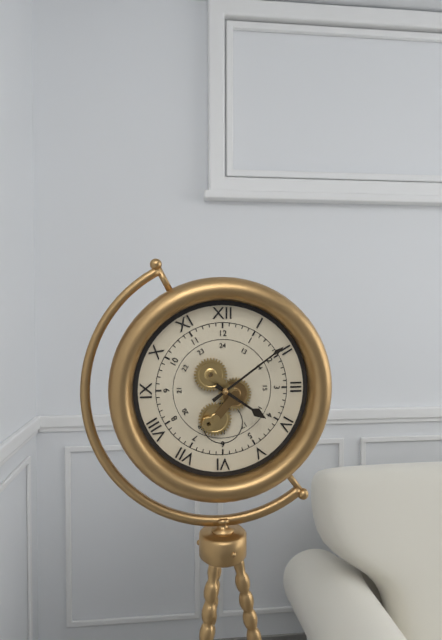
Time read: 4:09
